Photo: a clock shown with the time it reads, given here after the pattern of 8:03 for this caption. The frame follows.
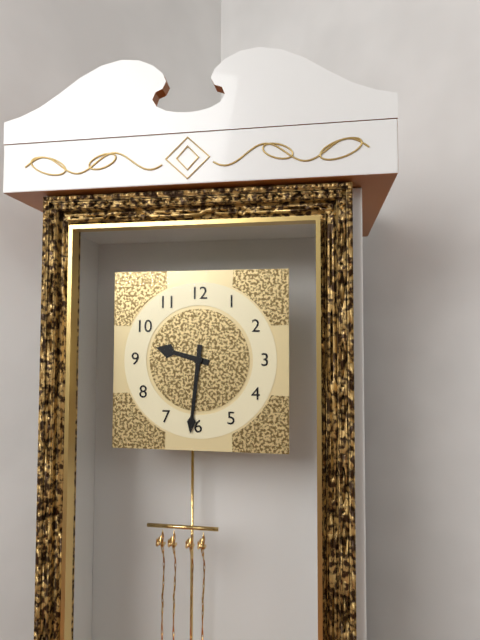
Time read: 9:31
